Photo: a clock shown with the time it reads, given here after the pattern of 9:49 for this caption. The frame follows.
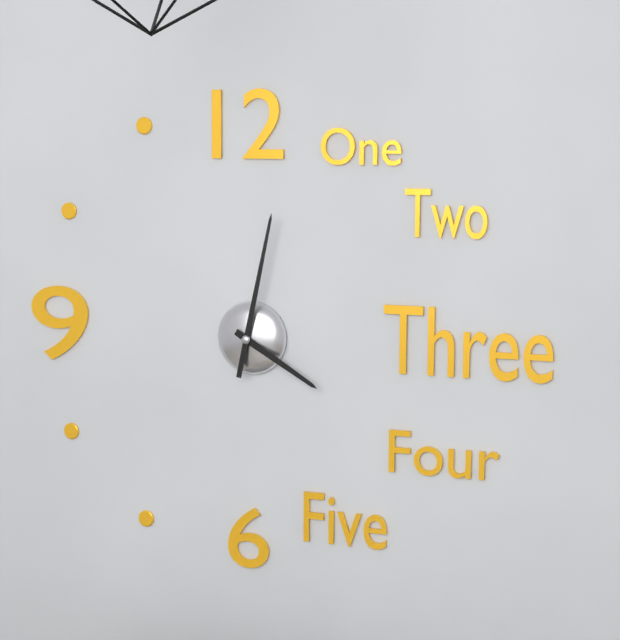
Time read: 4:02
